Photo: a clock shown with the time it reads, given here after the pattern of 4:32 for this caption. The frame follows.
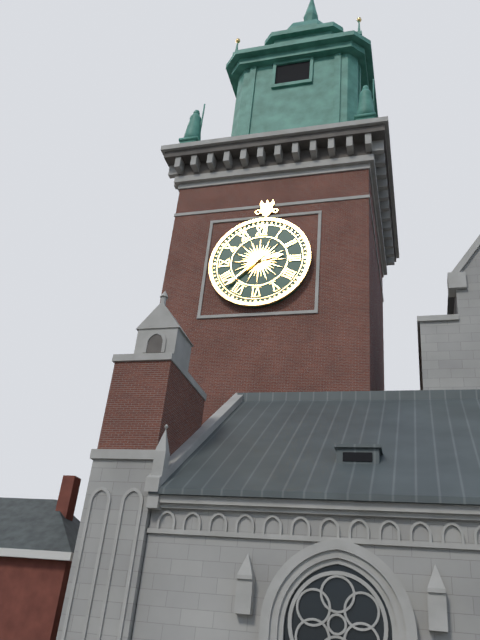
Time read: 2:38
